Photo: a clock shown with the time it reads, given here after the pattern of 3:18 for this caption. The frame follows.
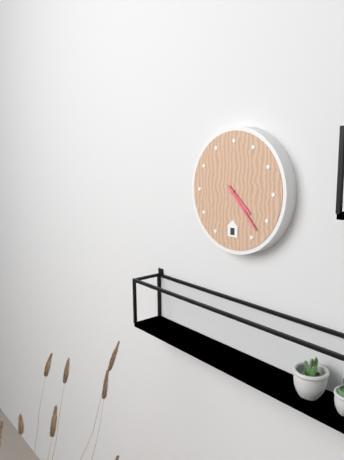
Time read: 4:23
